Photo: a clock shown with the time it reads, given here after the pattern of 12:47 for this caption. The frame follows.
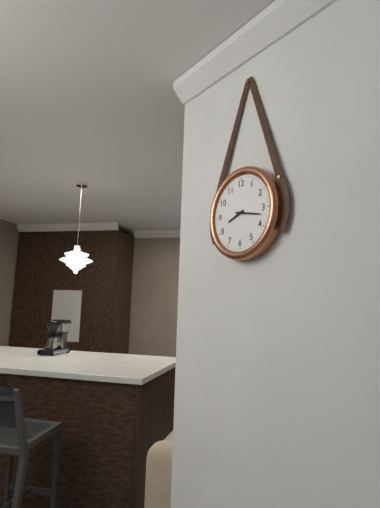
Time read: 8:17
